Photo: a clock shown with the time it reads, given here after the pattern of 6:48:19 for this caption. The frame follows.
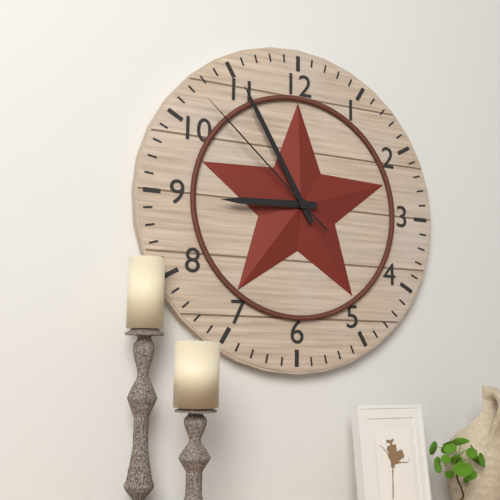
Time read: 8:55:52
